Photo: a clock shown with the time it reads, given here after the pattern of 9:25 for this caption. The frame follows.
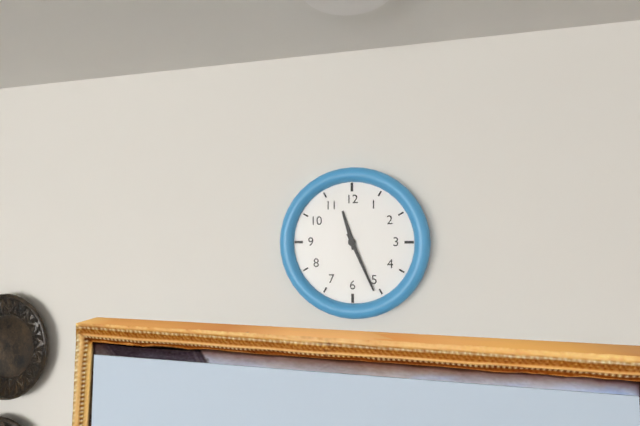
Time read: 11:26
